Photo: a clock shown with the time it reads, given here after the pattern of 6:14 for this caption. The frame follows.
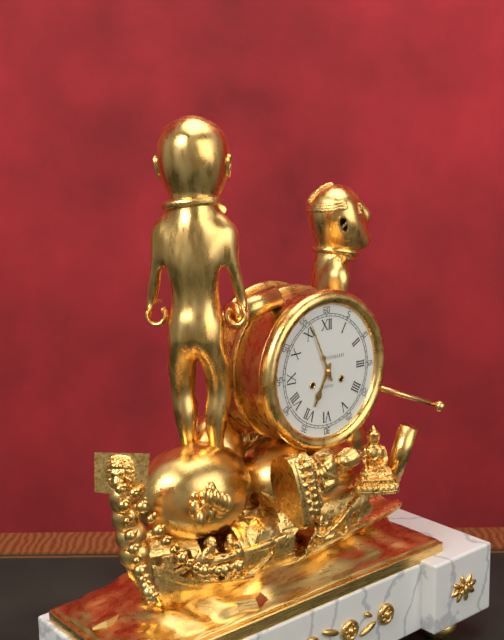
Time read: 6:56
